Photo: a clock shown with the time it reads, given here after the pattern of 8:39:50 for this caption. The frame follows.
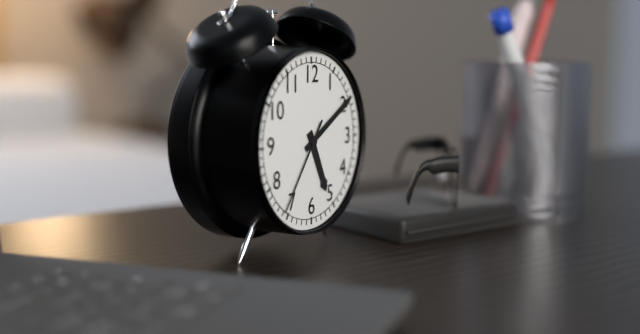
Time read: 5:10:36
